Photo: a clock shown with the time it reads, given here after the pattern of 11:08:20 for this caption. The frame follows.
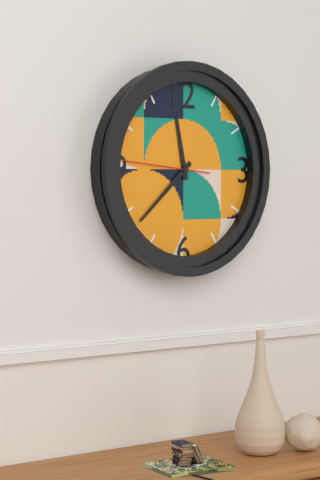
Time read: 11:38:46
